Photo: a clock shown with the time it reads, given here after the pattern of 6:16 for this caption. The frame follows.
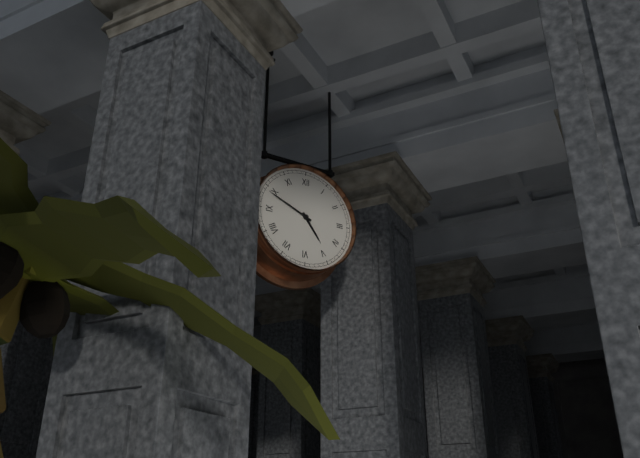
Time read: 4:49
